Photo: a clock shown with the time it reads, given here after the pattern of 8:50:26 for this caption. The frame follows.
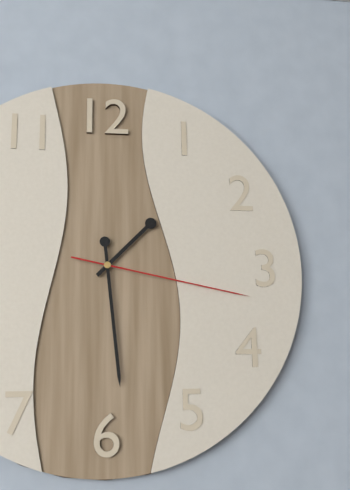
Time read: 1:29:17
